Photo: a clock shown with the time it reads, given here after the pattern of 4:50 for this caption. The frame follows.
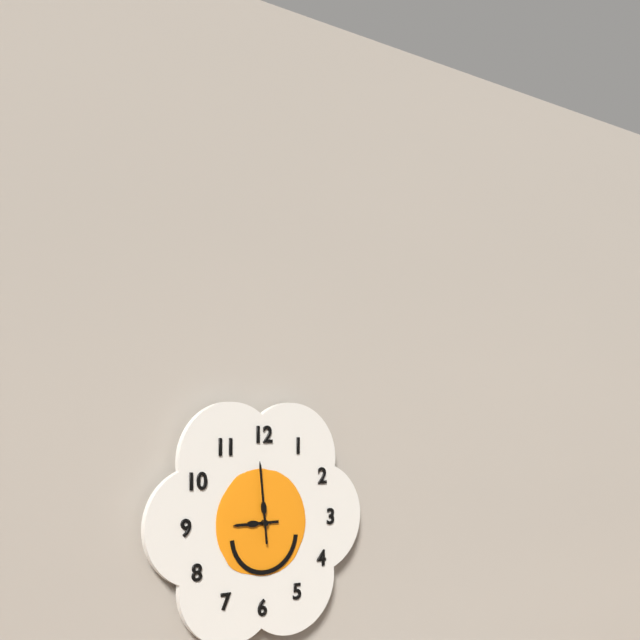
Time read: 8:59
